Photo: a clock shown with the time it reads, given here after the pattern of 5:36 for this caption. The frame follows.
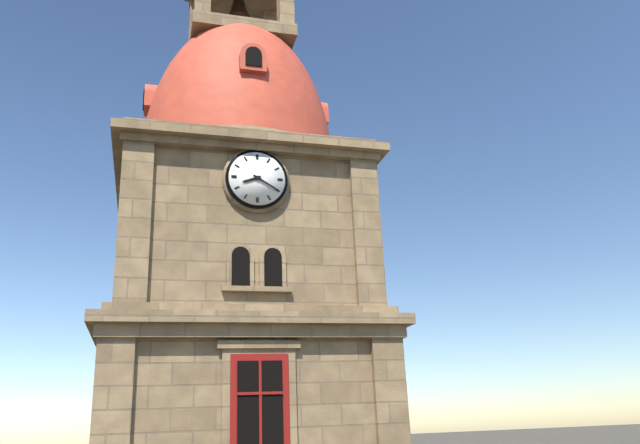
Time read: 8:20
